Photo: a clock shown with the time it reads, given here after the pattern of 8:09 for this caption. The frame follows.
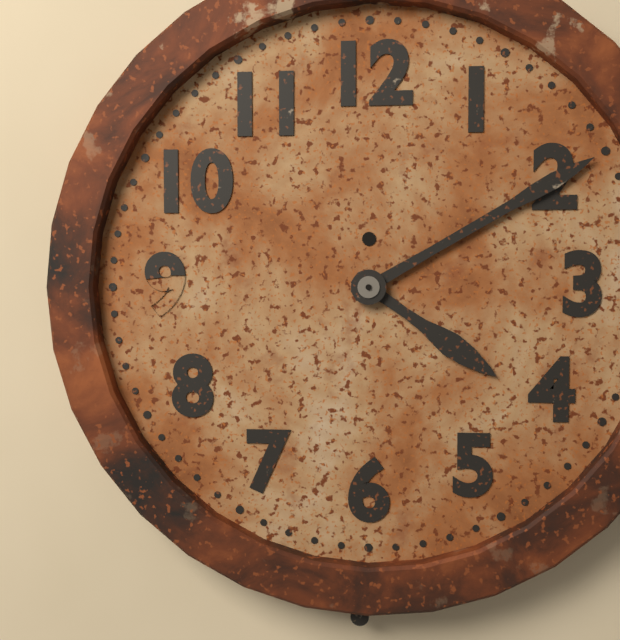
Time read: 4:10
